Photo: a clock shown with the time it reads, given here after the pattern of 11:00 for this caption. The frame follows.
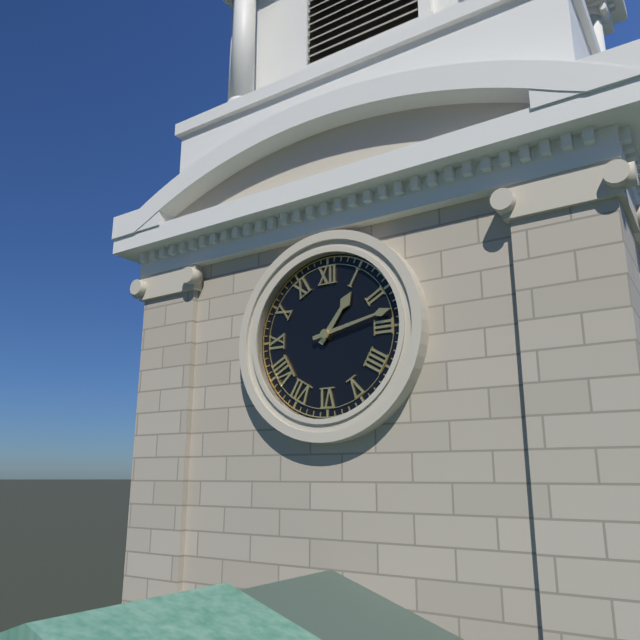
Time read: 1:13
